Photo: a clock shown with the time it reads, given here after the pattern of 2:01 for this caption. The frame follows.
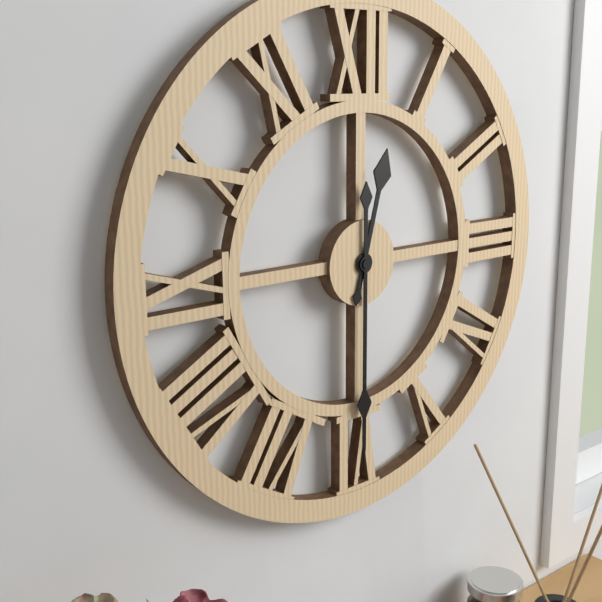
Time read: 12:30
